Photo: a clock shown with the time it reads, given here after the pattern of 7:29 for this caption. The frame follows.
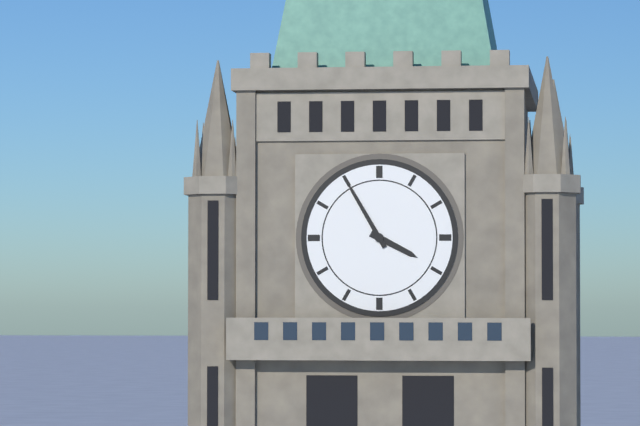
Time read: 3:55
